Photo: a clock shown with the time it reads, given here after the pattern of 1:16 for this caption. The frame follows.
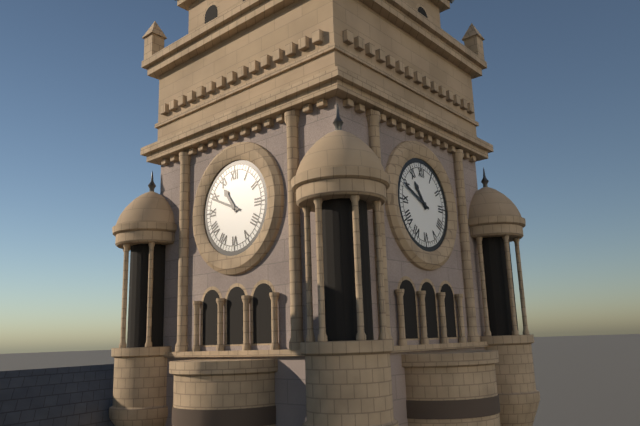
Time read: 10:49
